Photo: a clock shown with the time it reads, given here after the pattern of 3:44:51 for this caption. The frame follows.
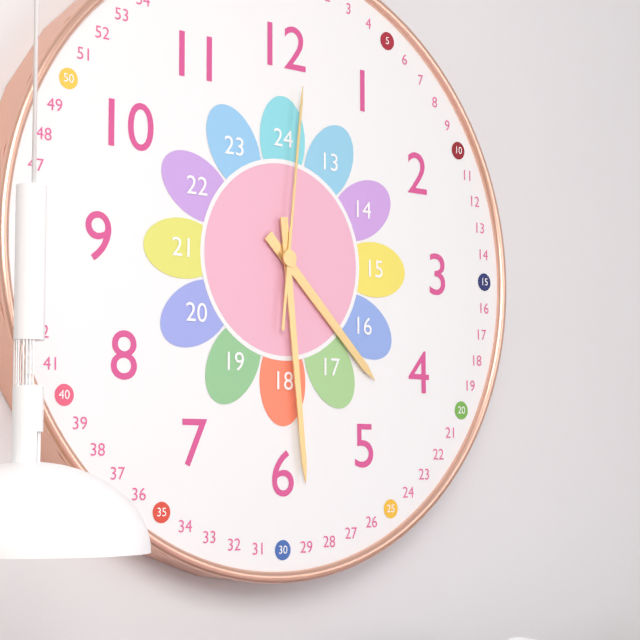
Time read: 4:29:01
